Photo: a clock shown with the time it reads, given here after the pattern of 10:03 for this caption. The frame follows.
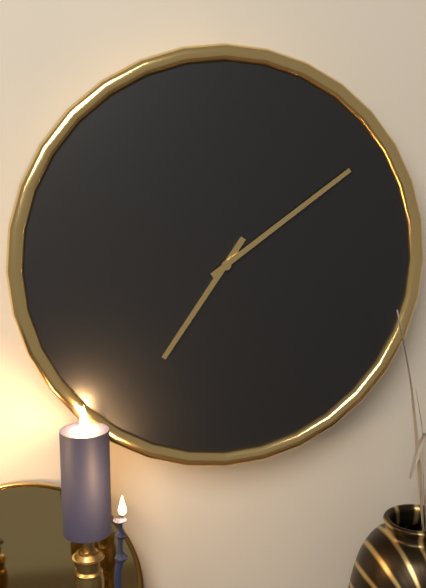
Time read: 7:09
